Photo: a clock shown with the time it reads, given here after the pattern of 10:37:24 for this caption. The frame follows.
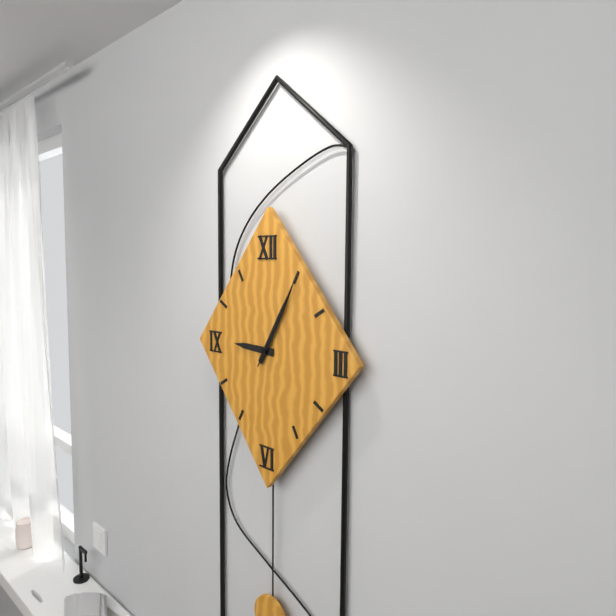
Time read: 9:05:05
